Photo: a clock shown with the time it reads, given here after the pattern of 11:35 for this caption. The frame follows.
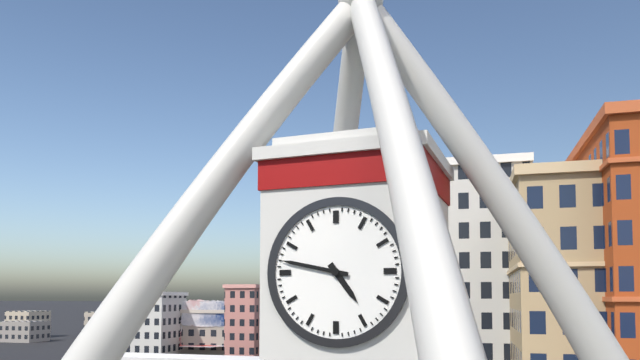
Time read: 4:47
